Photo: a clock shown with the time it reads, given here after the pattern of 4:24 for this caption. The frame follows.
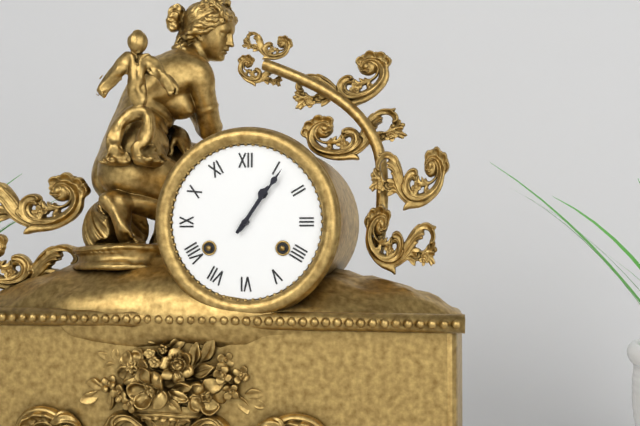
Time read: 1:06
